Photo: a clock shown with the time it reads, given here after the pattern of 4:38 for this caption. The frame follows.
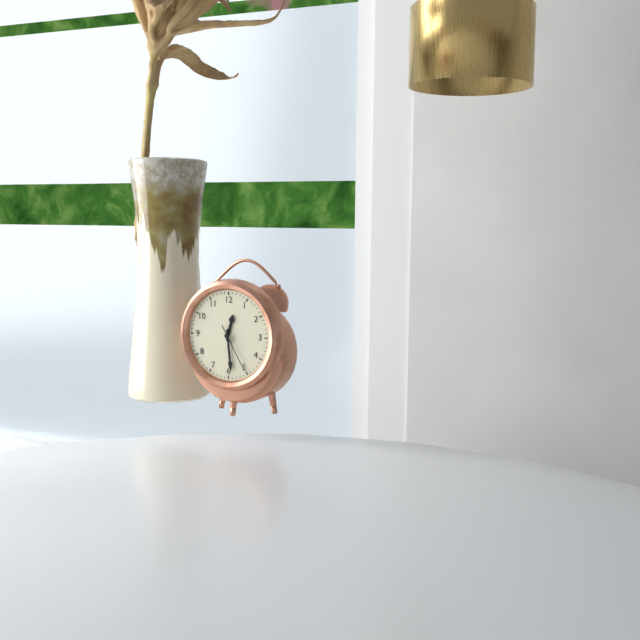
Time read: 12:29
